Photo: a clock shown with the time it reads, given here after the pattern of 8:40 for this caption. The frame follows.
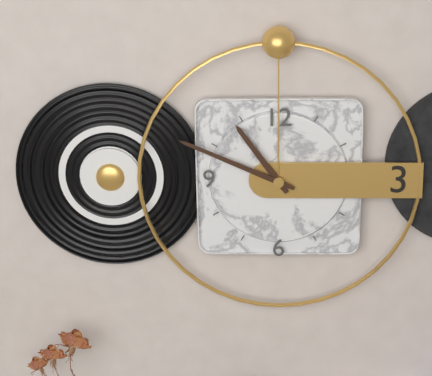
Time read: 10:49
